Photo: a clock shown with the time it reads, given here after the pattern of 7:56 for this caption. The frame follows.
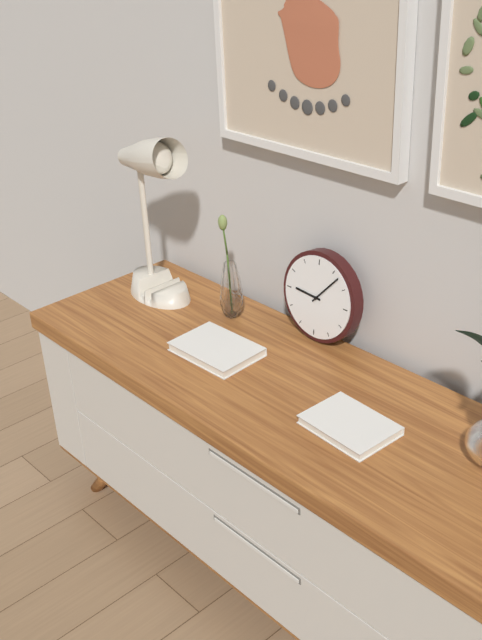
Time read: 9:07
